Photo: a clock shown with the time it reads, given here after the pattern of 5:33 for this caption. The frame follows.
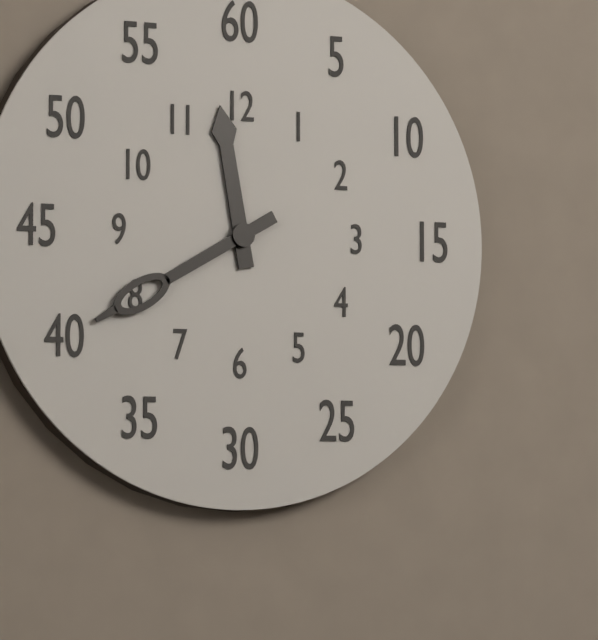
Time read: 11:40
